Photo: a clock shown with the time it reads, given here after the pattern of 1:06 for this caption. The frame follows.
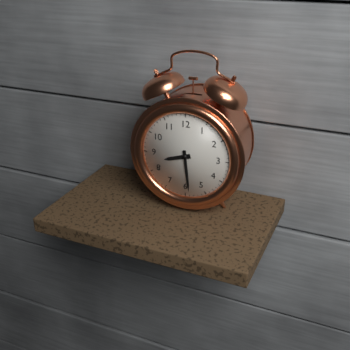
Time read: 8:29
